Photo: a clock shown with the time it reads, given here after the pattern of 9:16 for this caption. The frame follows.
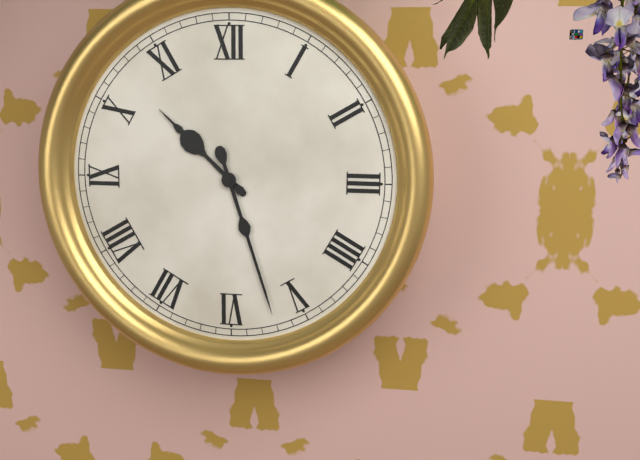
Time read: 10:27
